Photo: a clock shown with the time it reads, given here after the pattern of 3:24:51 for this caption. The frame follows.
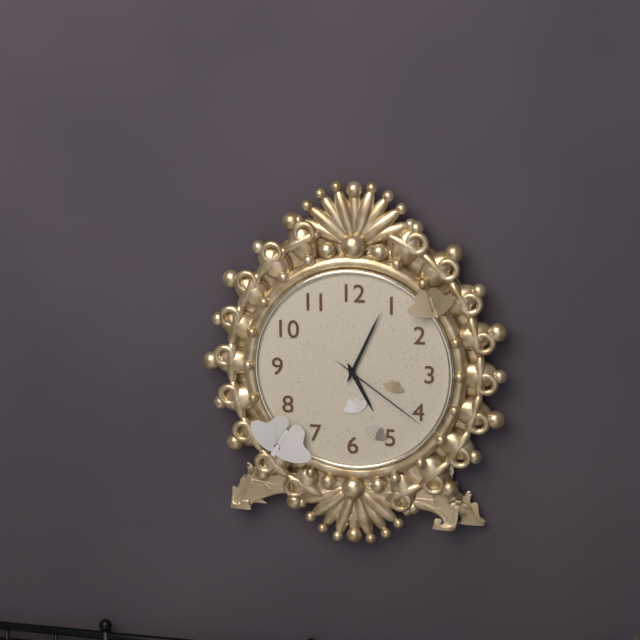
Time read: 5:04:21
